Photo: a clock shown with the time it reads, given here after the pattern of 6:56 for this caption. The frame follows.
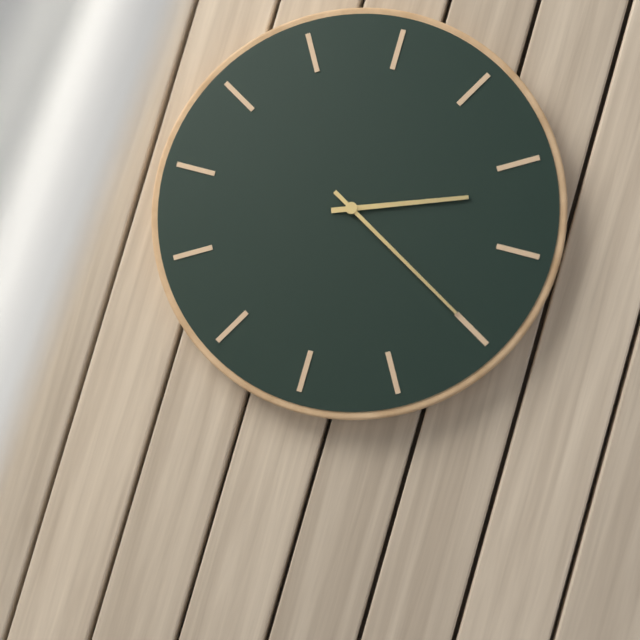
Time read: 2:20
